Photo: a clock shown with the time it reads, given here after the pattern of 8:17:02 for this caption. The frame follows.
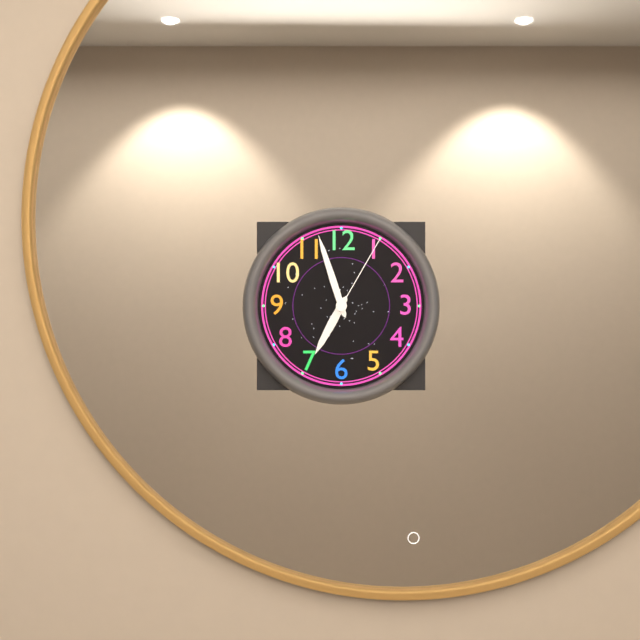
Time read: 6:57:05
